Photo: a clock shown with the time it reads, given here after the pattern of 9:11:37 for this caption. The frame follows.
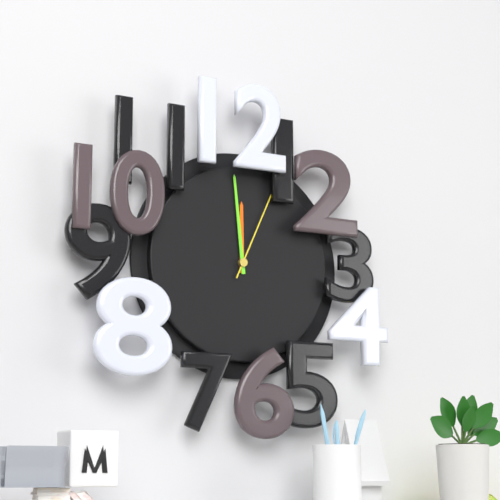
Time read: 11:59:04
